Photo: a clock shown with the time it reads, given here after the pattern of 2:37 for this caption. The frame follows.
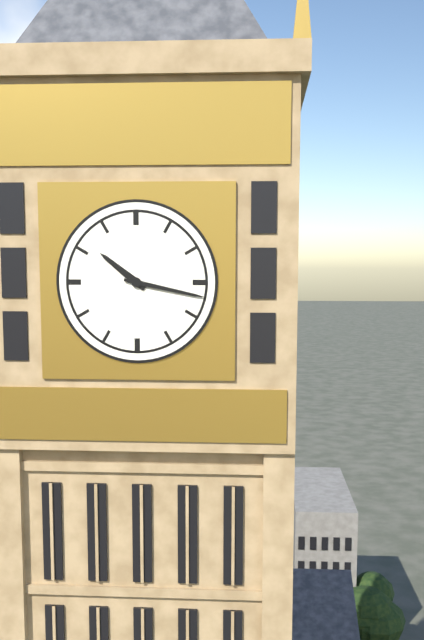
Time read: 10:17
